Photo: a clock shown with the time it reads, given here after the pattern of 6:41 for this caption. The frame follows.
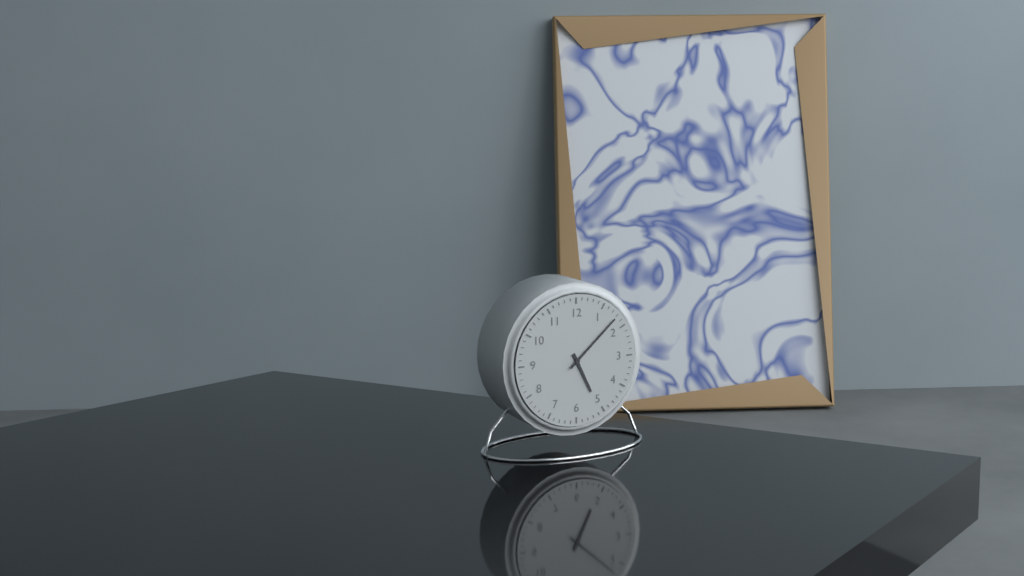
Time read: 5:08
